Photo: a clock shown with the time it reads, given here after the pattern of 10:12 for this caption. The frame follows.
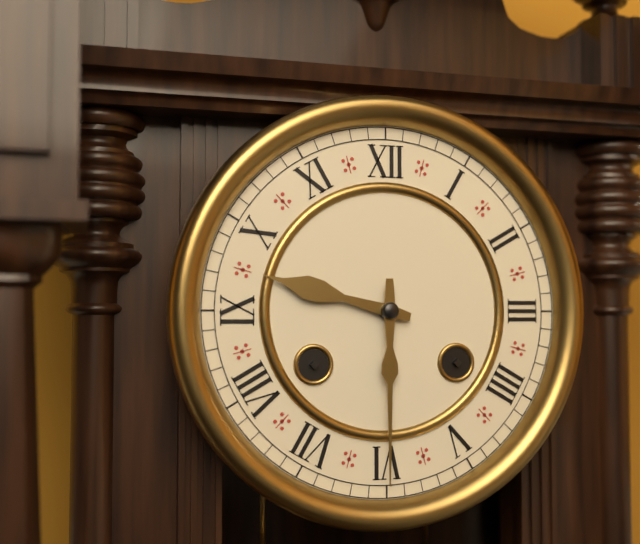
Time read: 9:30
